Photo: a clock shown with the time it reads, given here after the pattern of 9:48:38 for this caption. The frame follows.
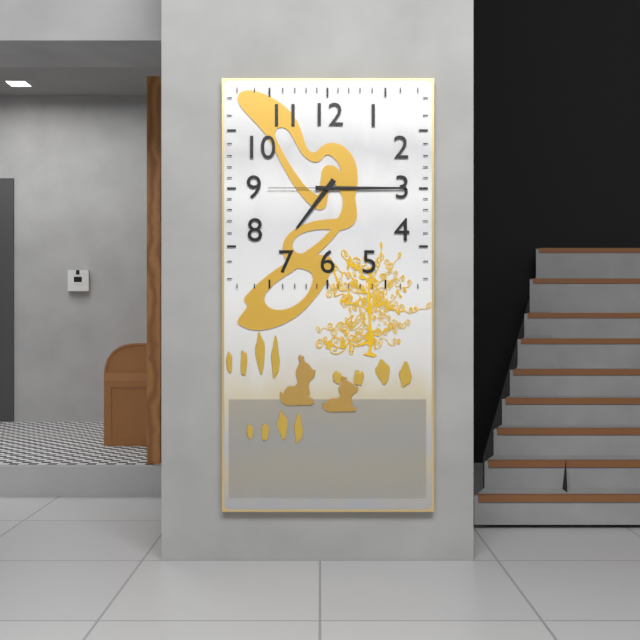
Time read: 7:15:45
